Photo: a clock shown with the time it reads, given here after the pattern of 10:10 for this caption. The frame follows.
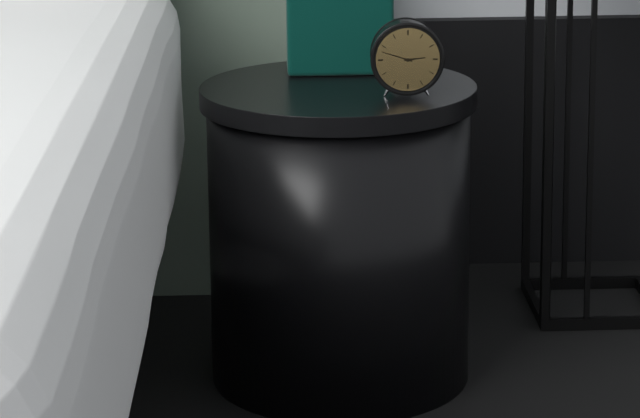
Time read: 2:48
